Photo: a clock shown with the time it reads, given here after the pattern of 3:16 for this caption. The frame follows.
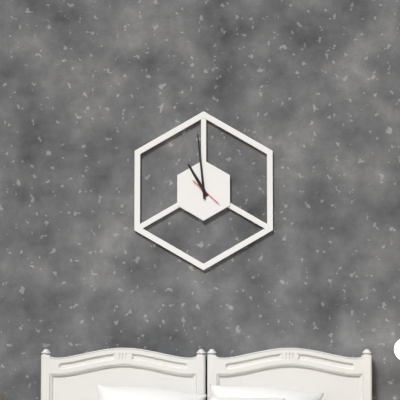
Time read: 10:59
